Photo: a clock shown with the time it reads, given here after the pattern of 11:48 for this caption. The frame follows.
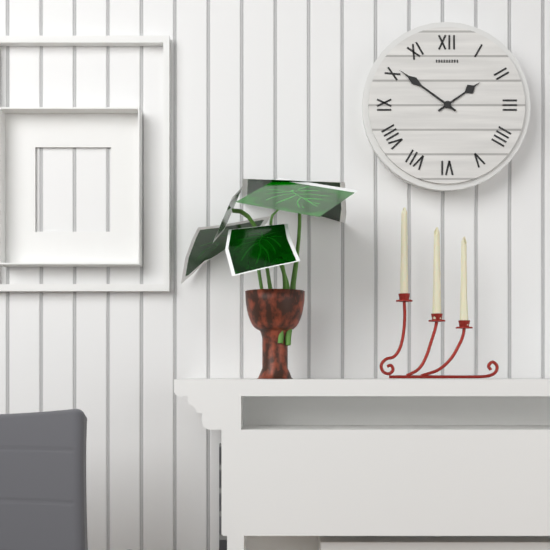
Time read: 1:51
